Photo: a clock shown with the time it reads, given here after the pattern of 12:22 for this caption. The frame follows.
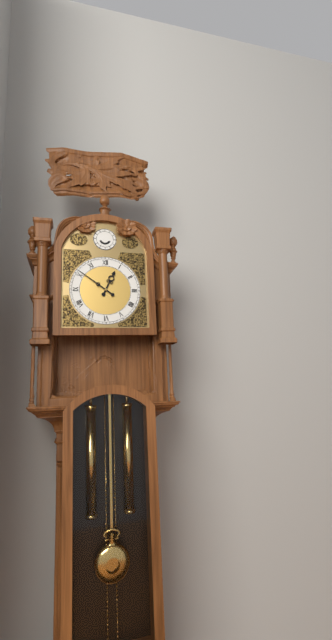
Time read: 12:51
